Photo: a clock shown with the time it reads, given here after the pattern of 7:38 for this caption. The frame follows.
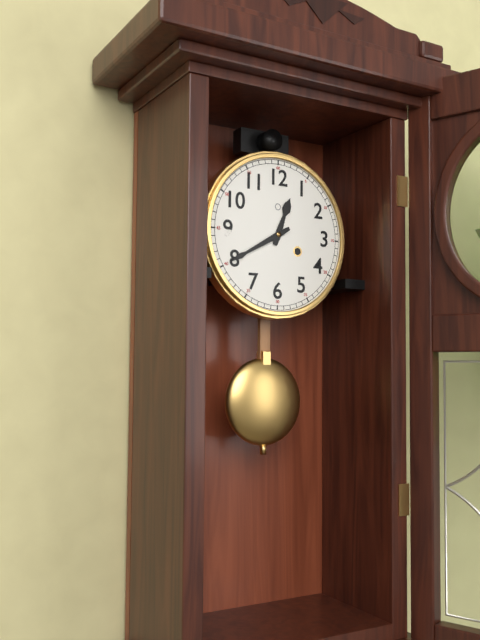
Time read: 12:40
